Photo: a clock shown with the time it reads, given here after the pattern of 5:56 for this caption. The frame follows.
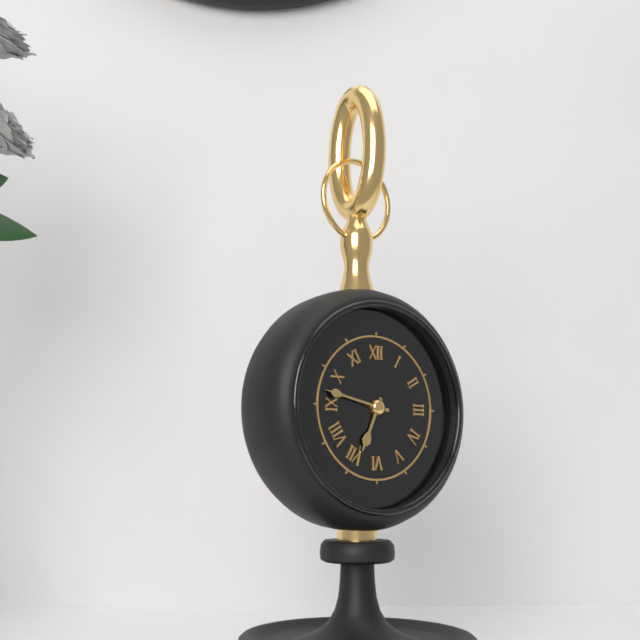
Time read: 6:47
